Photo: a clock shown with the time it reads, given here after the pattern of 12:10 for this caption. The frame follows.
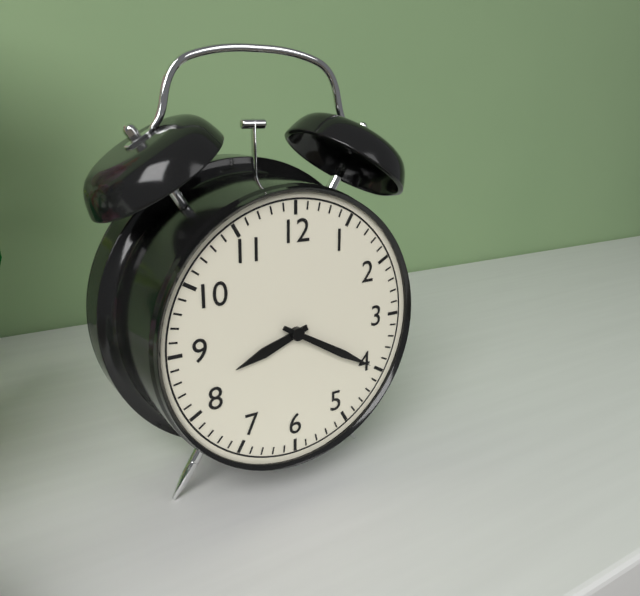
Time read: 8:20
